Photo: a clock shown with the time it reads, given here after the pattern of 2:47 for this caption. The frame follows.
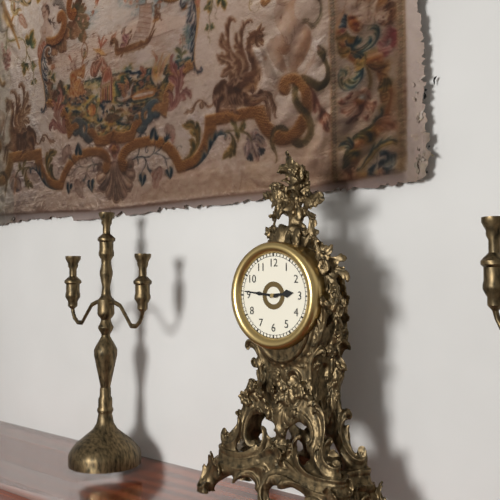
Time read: 2:46
